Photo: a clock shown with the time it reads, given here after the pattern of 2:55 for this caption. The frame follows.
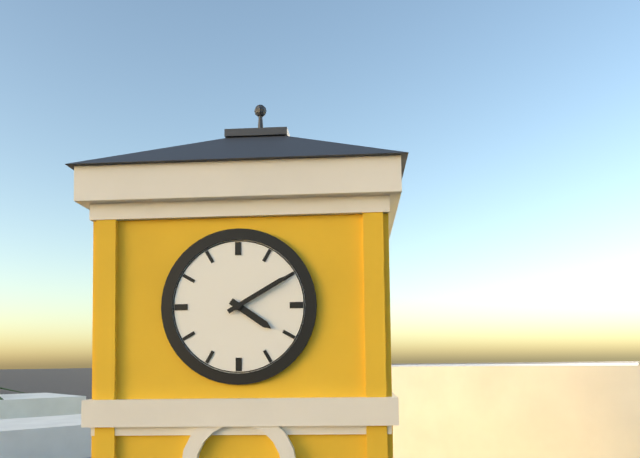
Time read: 4:10
